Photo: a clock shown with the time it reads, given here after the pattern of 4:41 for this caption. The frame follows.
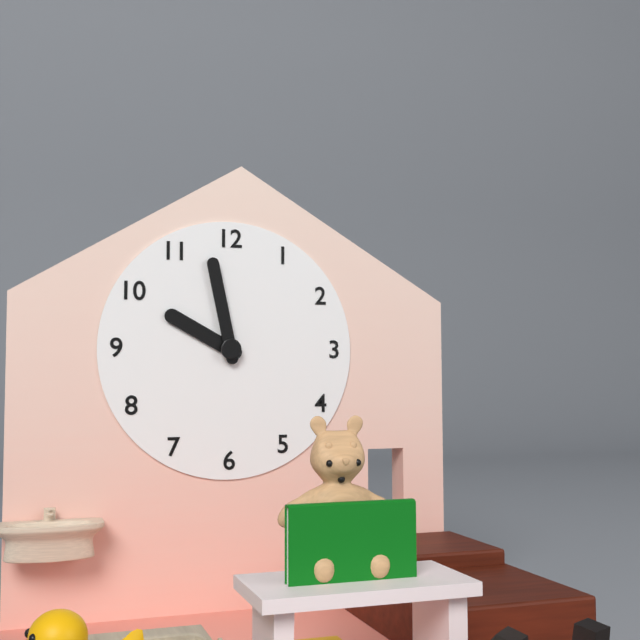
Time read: 9:58
